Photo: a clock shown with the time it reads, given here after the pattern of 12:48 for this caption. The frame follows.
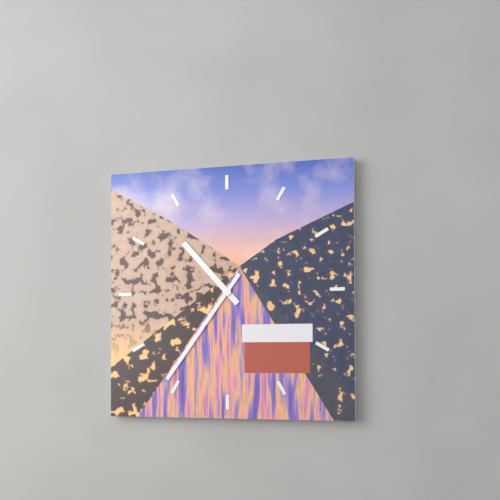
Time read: 10:36
